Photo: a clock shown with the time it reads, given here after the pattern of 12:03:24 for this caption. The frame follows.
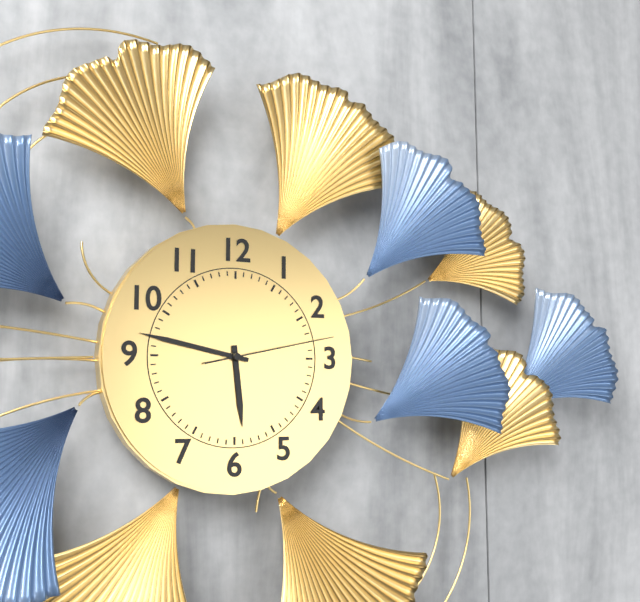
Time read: 5:47:13
